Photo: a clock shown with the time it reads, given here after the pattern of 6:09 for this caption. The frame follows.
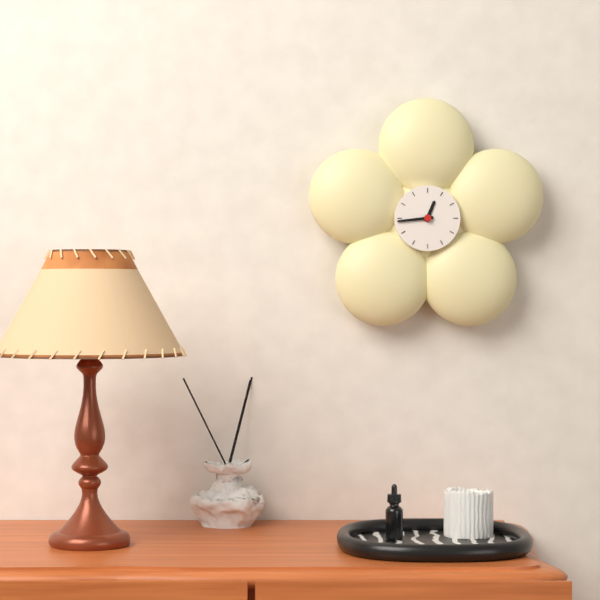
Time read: 12:44
